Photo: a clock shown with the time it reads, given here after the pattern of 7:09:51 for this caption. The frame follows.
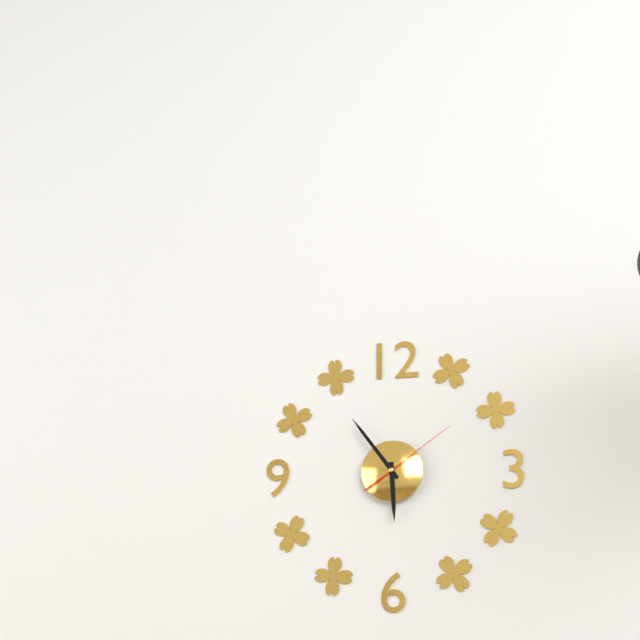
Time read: 5:54:09
